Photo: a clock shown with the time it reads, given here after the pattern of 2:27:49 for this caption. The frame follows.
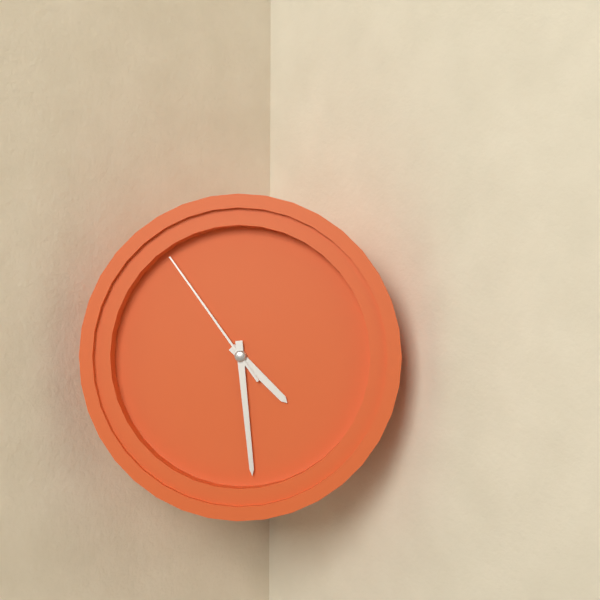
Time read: 4:29:54
